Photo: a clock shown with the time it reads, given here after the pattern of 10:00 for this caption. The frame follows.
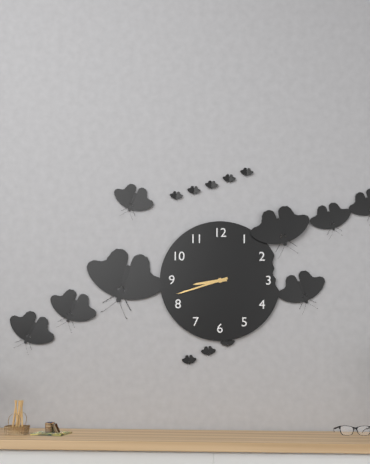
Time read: 8:42
